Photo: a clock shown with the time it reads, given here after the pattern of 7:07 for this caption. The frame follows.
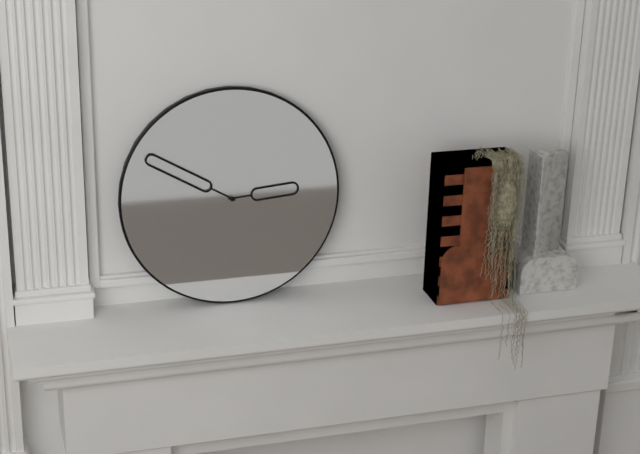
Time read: 2:50
